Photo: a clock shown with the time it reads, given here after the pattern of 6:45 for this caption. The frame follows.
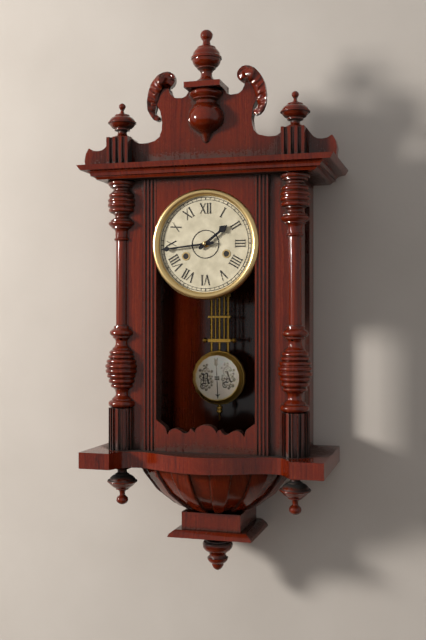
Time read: 1:44
